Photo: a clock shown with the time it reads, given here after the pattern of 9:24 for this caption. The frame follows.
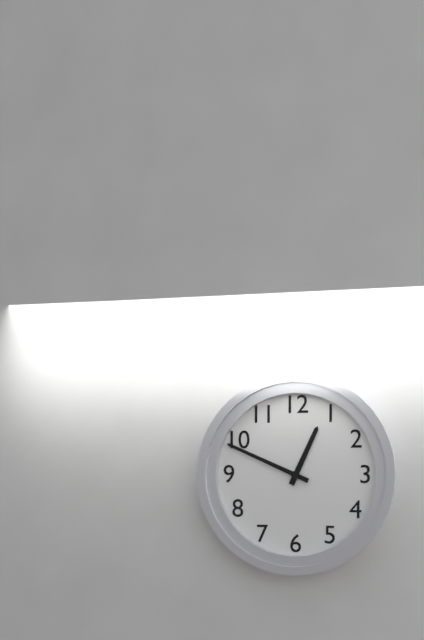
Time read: 12:49
